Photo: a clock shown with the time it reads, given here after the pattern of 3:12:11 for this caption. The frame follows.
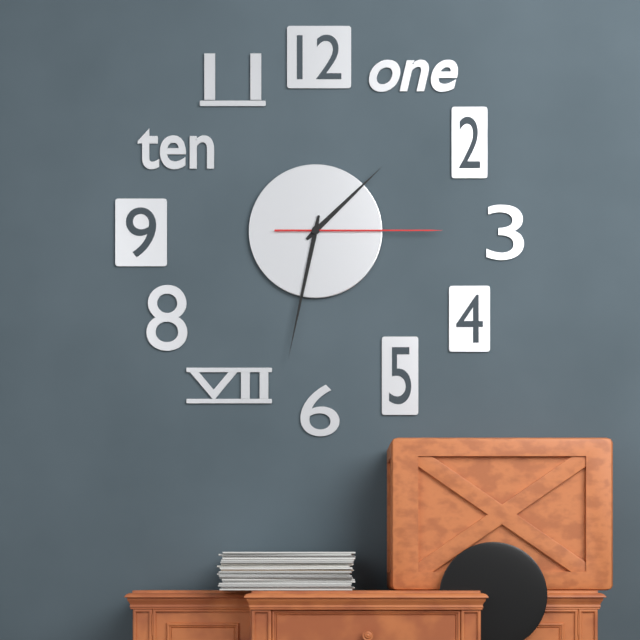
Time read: 1:32:15
